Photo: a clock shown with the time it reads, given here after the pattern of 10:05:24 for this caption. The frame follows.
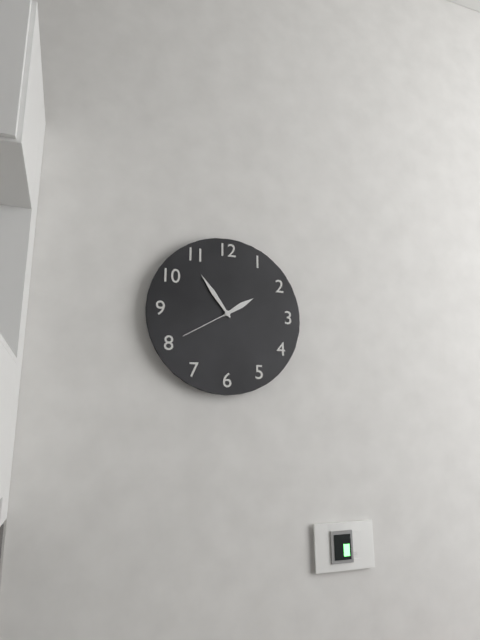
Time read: 1:54:40
